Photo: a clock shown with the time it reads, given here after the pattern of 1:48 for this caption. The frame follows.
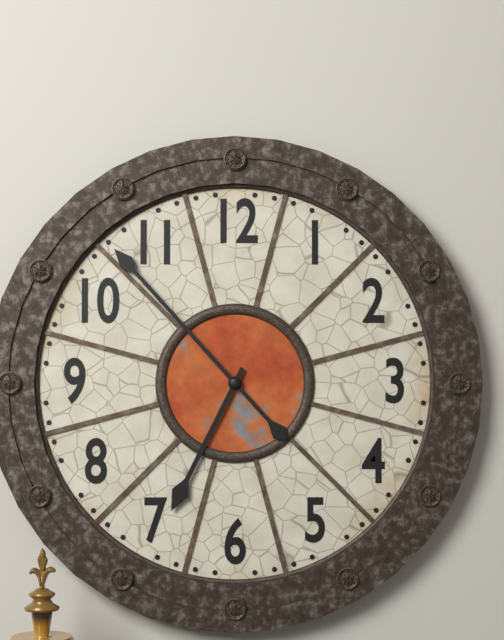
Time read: 6:53
